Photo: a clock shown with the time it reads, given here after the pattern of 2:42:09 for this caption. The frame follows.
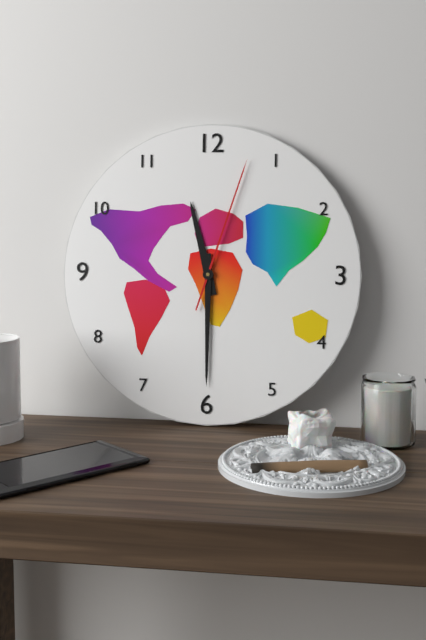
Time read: 11:30:03
